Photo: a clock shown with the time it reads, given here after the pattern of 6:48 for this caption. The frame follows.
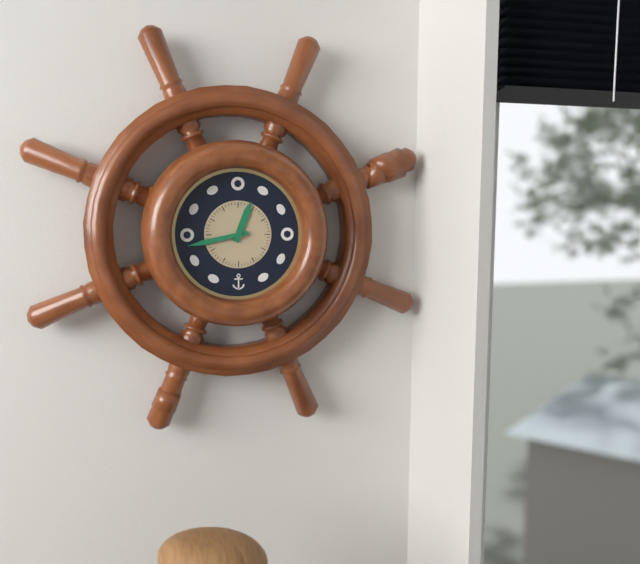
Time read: 12:43
